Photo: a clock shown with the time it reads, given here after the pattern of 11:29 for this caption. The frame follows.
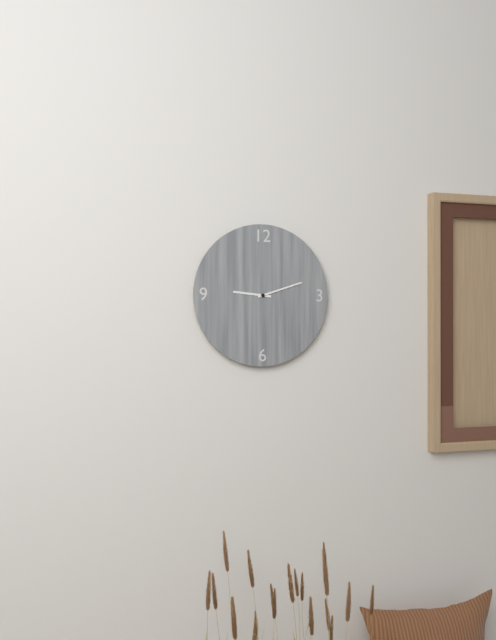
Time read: 9:12
